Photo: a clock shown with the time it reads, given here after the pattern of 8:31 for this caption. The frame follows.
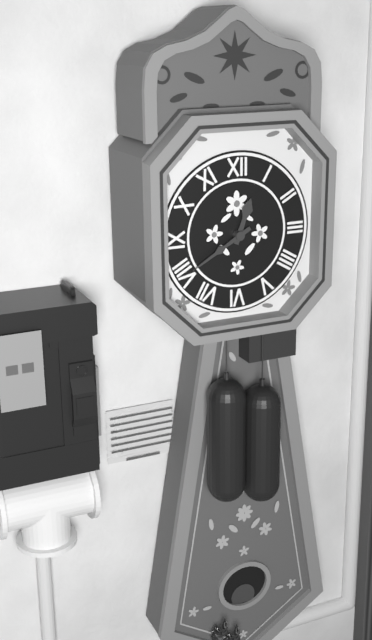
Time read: 12:40
